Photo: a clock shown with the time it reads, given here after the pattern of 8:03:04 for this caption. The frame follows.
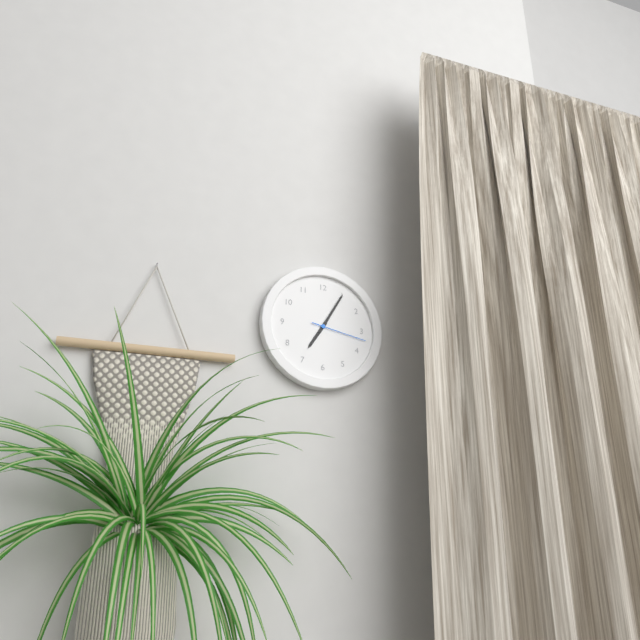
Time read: 7:05:17
